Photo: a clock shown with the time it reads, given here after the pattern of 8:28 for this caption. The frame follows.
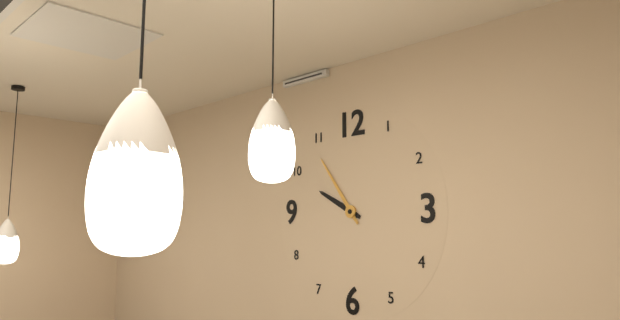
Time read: 9:54
